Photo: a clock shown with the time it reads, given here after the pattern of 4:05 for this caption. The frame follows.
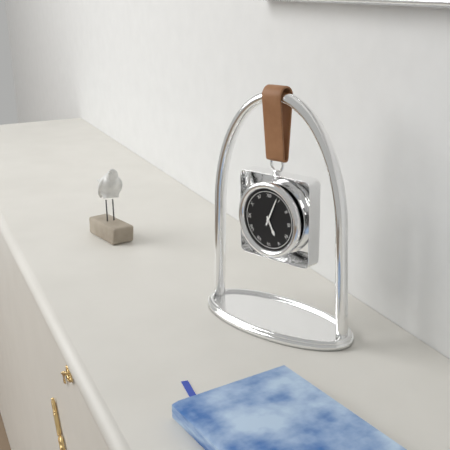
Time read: 5:04
